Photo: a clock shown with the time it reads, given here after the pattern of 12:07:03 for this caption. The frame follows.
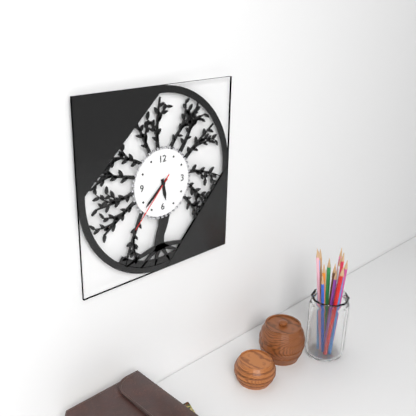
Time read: 5:38:37
